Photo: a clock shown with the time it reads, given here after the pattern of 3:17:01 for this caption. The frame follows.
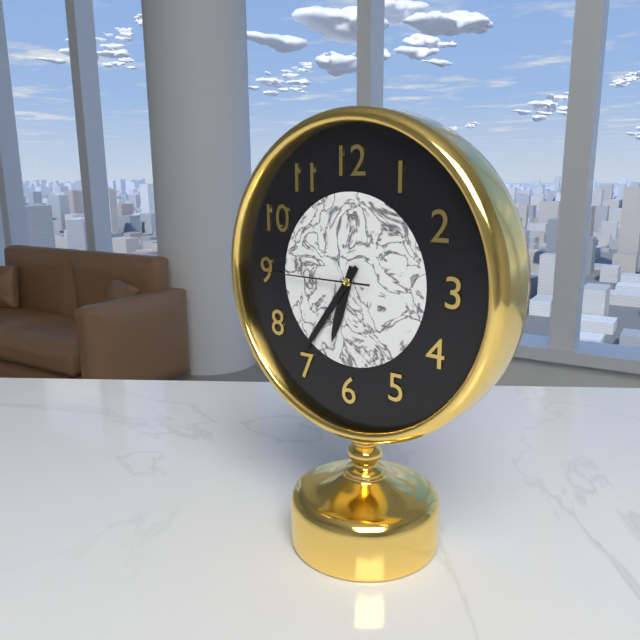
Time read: 6:36:45
